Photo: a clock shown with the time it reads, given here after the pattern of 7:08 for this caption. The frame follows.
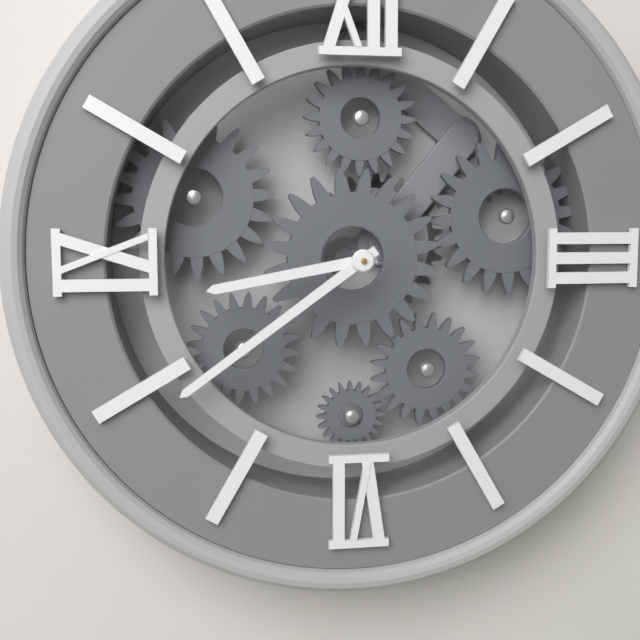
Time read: 8:39
